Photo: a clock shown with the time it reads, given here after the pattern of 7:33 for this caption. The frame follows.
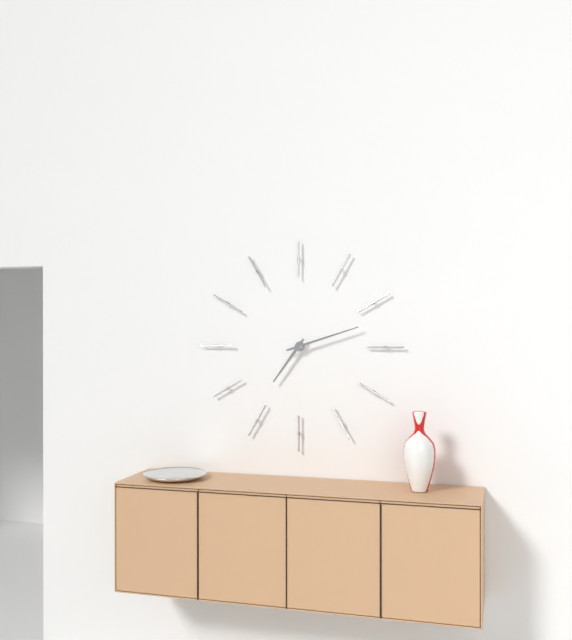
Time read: 7:12
